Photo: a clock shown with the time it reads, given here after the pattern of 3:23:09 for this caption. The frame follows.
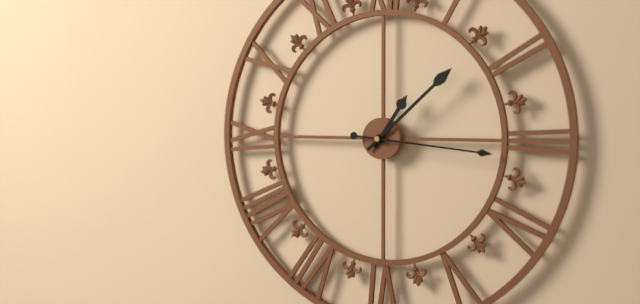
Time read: 1:08:16
